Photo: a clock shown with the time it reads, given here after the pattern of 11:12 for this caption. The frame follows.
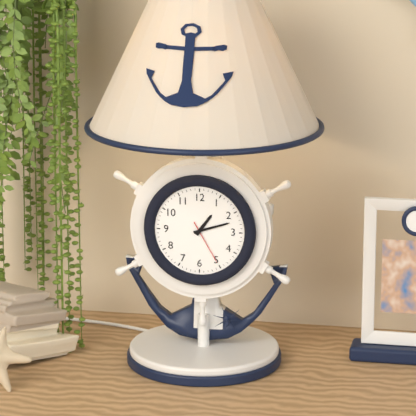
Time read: 1:12
